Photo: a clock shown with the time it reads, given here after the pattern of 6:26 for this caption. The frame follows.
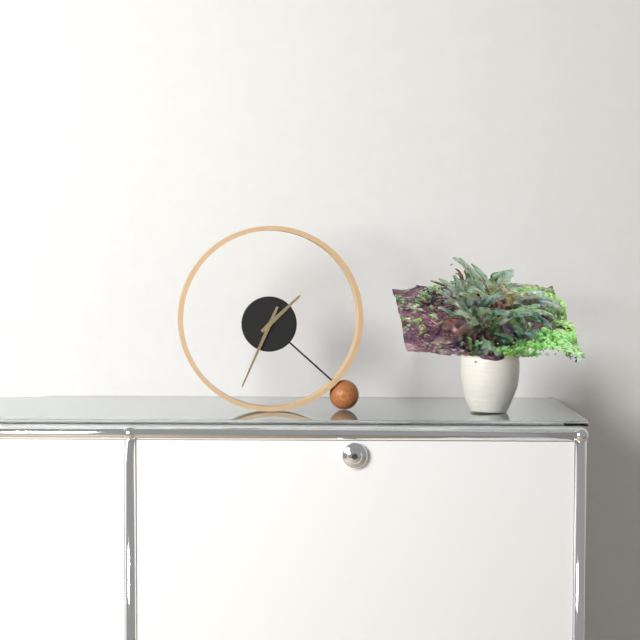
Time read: 1:34
